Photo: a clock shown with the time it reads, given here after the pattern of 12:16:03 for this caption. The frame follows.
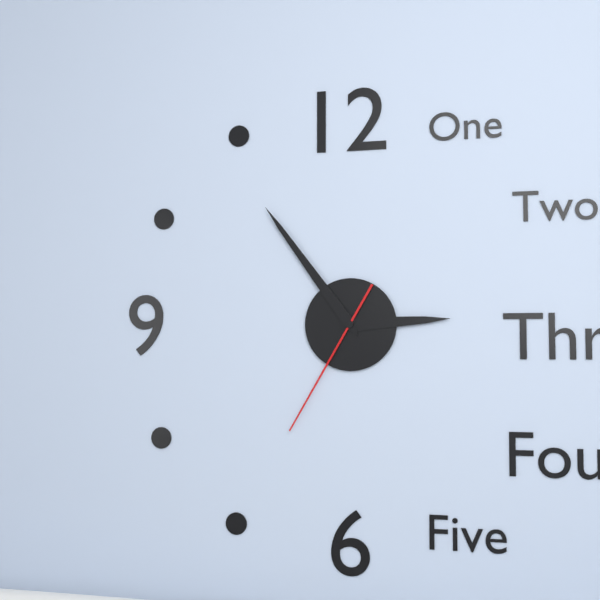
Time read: 2:54:35
